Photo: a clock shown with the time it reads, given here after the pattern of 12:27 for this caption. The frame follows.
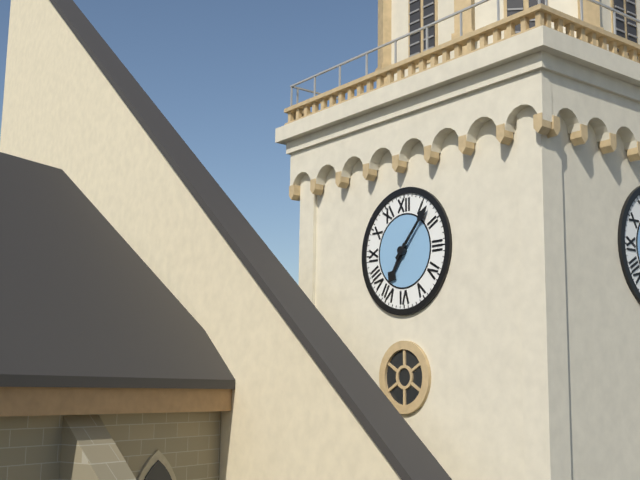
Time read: 7:07
